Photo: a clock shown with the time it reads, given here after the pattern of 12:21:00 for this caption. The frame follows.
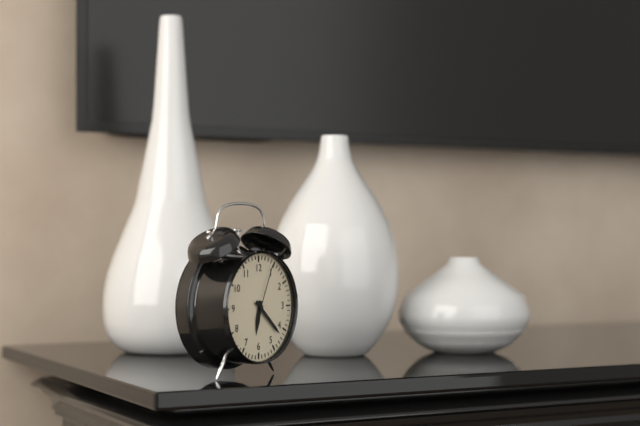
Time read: 6:22:04
